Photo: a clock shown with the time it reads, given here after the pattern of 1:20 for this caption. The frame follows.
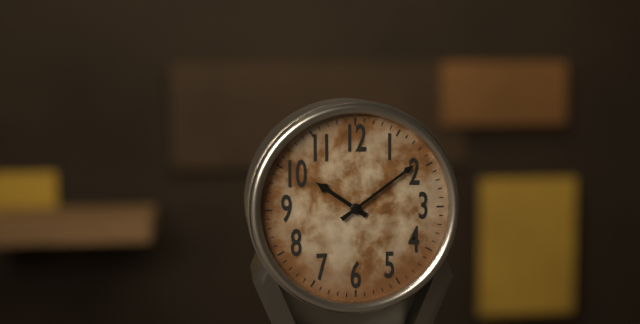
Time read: 10:09
